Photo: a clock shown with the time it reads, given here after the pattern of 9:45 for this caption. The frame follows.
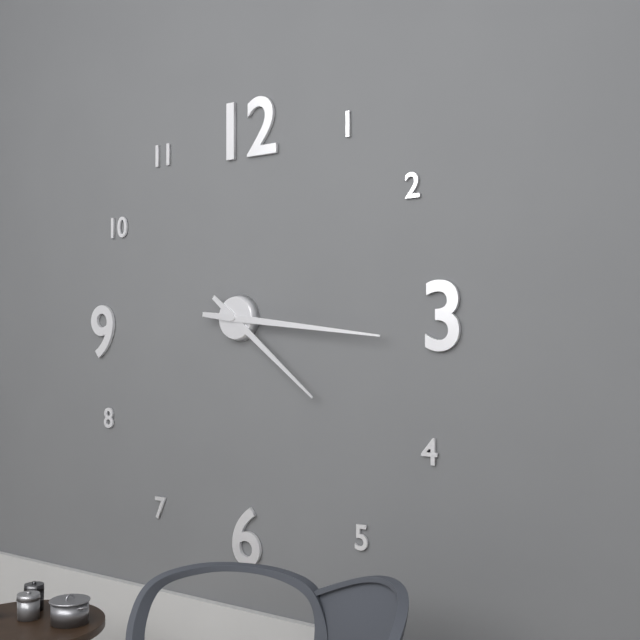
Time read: 4:16
